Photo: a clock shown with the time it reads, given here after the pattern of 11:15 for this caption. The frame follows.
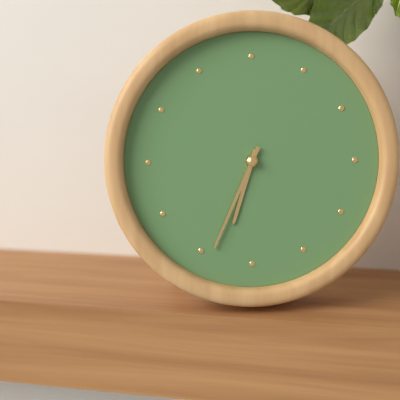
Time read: 6:34
